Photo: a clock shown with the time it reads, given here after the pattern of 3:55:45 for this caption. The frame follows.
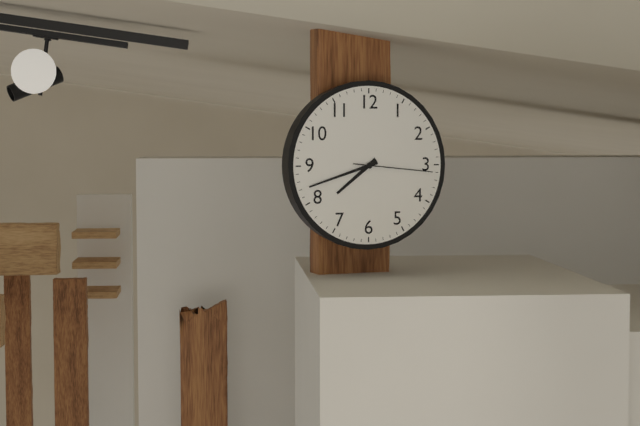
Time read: 7:42:16
